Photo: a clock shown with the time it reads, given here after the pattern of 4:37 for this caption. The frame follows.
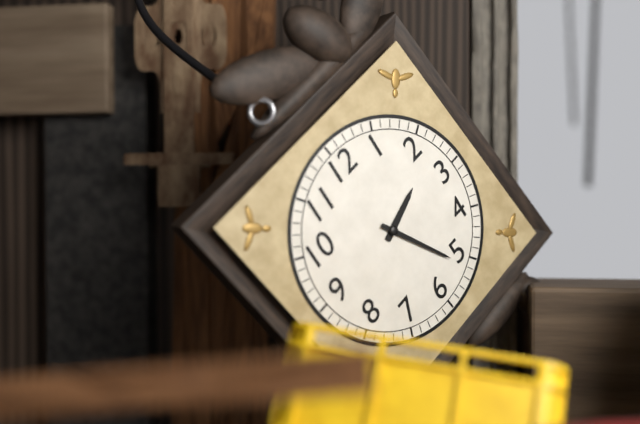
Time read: 2:26
